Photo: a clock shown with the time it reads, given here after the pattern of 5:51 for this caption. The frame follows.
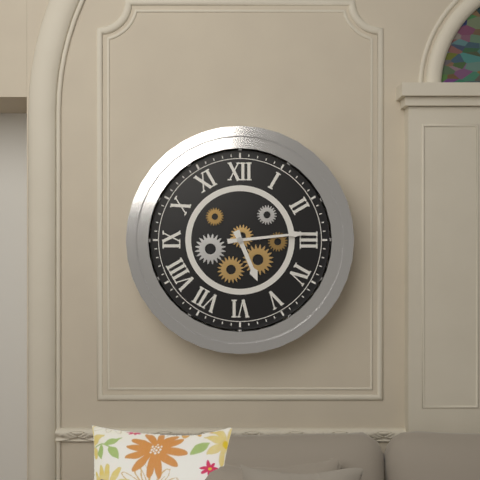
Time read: 5:14
